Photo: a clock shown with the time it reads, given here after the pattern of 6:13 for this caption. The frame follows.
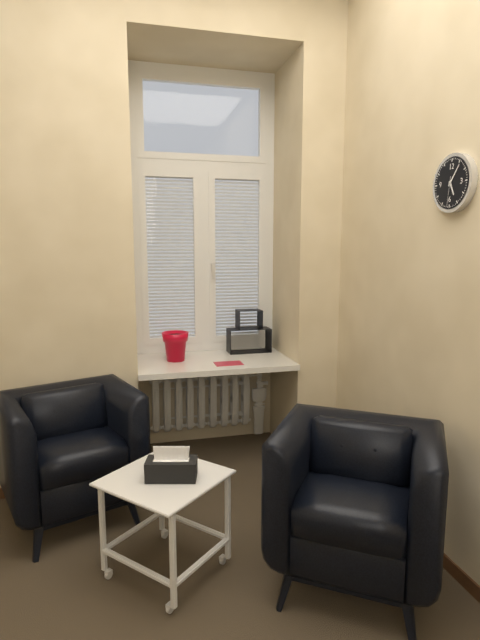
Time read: 5:06
